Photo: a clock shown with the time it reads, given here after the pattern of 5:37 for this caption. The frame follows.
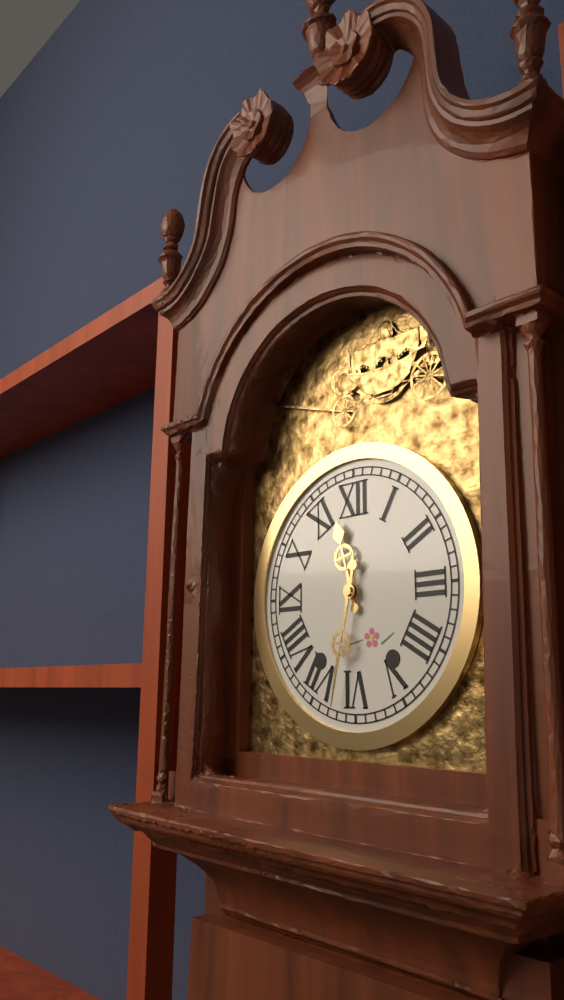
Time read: 11:32
